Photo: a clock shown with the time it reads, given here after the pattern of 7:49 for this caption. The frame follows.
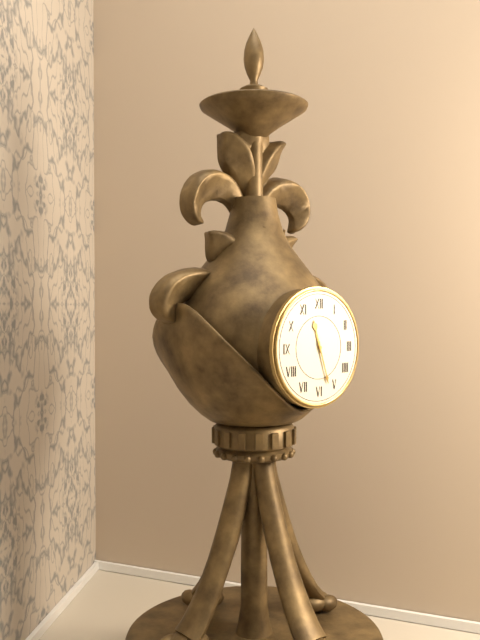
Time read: 11:27
